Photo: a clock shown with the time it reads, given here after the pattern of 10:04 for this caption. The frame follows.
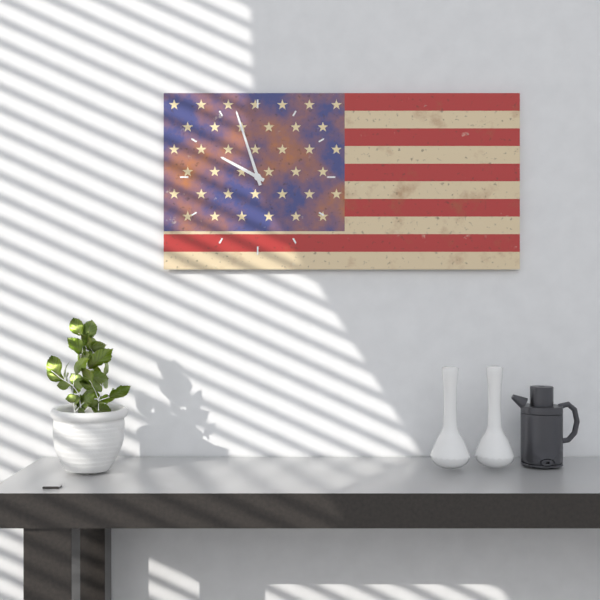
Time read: 9:57
